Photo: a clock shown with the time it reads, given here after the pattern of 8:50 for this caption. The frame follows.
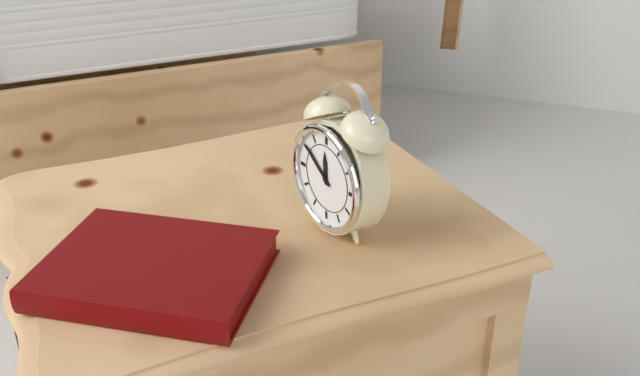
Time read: 11:51
